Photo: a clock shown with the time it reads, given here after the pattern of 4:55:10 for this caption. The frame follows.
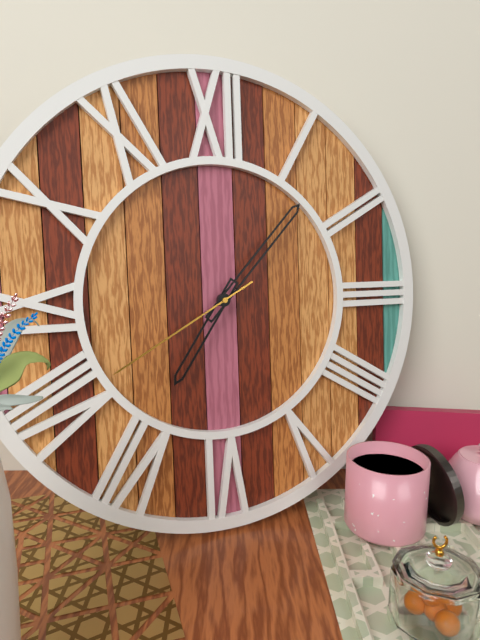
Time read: 7:07:40
